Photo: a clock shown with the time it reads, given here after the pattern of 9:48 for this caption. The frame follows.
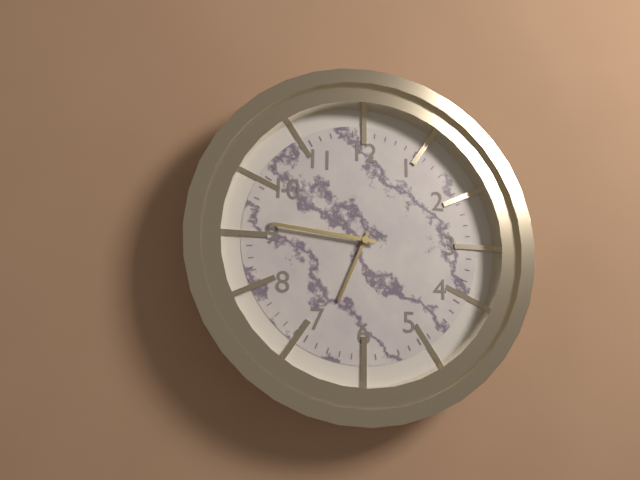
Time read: 6:46
